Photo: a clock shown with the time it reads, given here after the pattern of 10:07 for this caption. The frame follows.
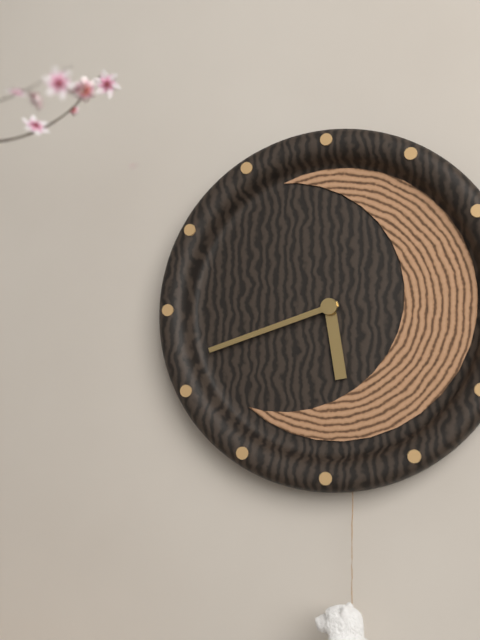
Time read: 5:42
